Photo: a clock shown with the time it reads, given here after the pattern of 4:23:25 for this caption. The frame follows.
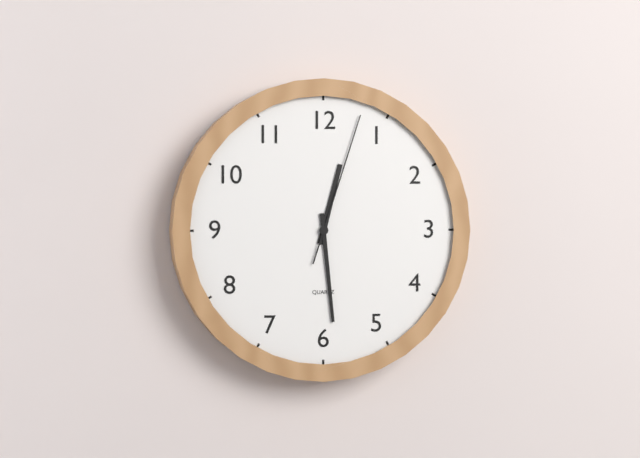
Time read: 12:29:03
